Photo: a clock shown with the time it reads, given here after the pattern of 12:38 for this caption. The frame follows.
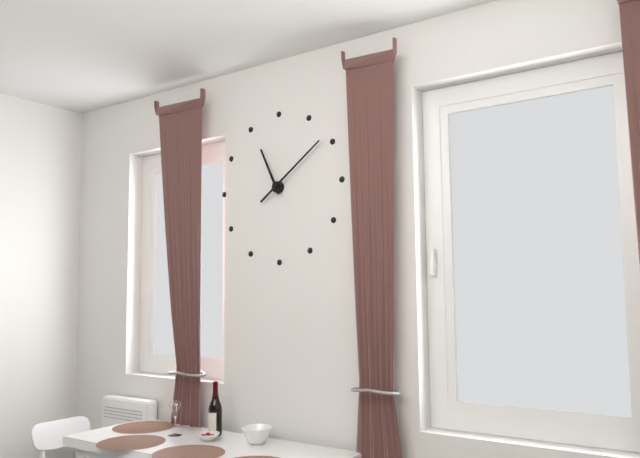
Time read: 11:09
